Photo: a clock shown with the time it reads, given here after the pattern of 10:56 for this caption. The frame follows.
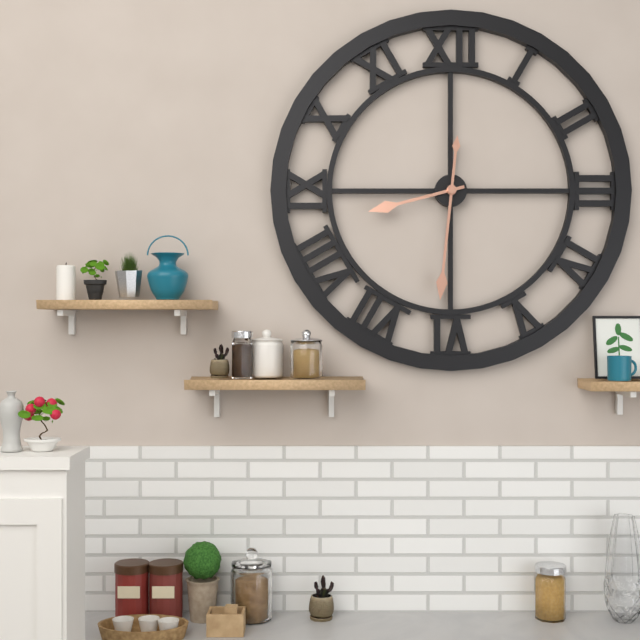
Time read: 8:31
